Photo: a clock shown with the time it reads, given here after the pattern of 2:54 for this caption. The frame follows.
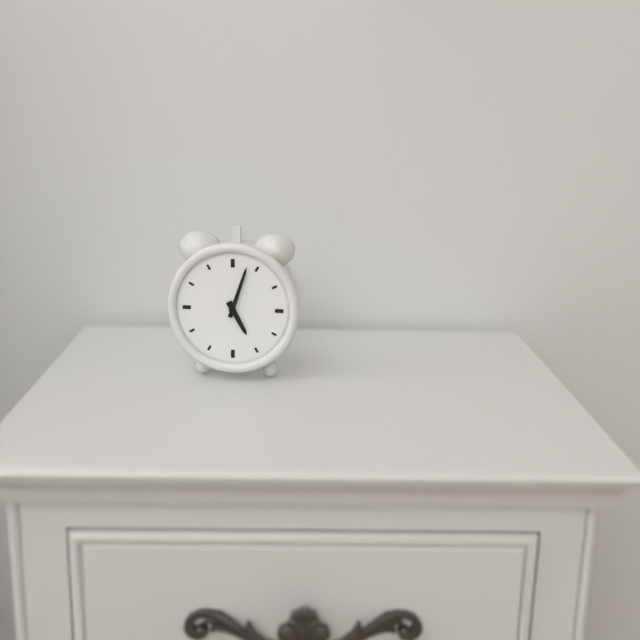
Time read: 5:03
